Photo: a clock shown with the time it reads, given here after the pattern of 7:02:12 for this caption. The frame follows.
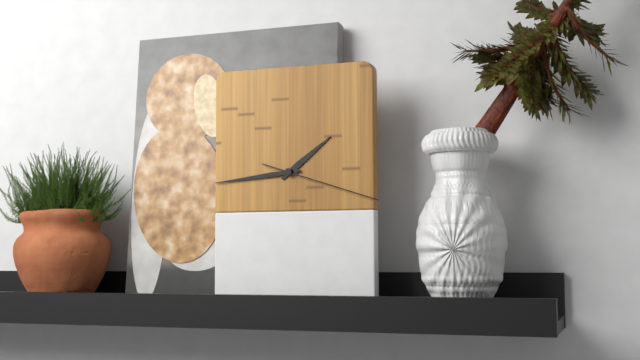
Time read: 1:44:18
